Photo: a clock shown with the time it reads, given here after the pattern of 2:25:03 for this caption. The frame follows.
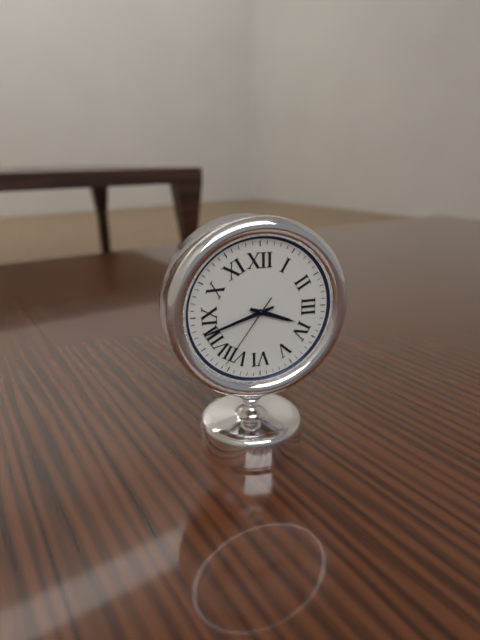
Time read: 3:42:36
